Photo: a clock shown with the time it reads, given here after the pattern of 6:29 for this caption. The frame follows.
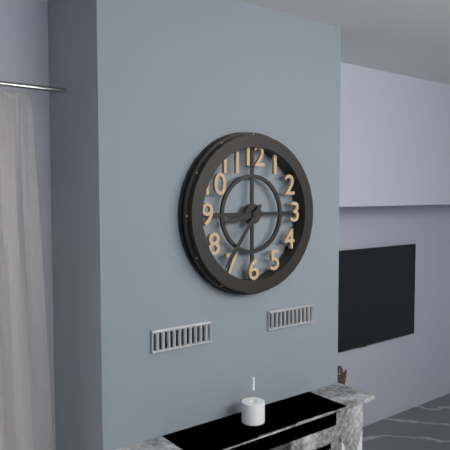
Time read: 8:36
